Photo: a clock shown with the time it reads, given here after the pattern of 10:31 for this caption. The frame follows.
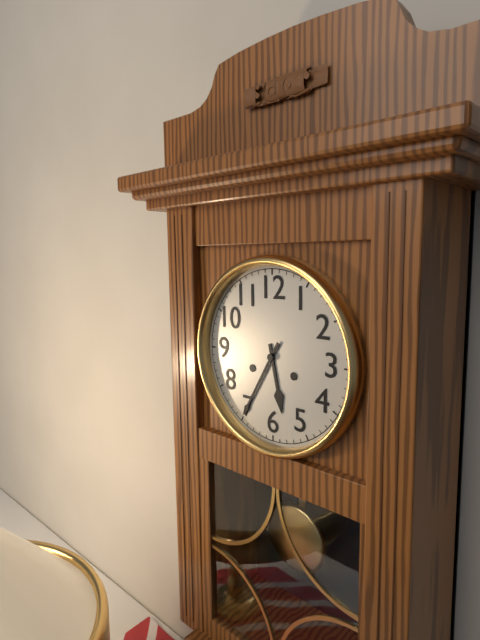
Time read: 5:35
